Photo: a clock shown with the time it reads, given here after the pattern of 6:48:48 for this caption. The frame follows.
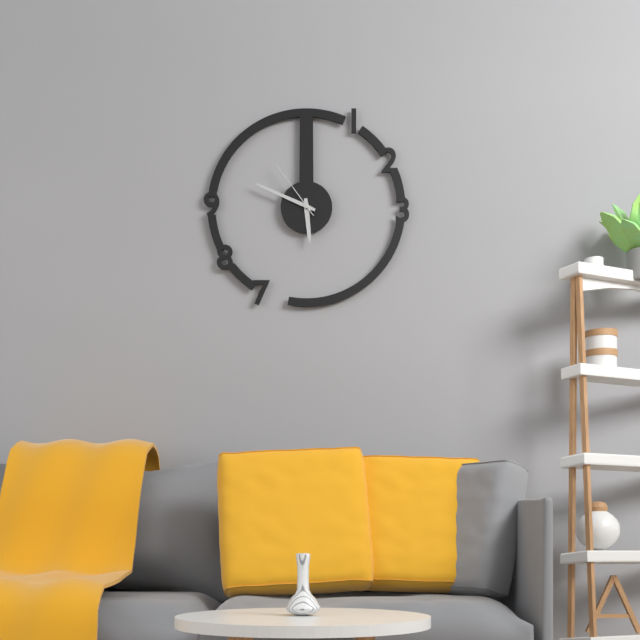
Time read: 5:49:54
